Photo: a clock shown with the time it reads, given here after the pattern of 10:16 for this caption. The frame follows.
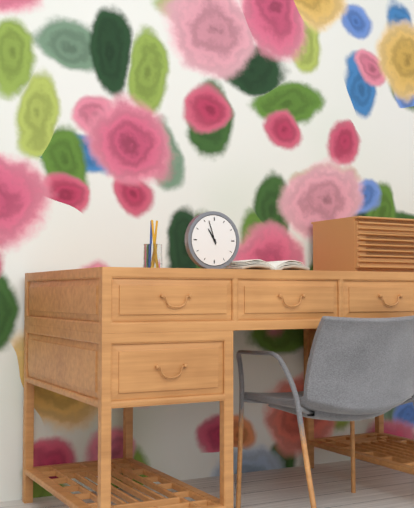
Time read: 10:57
